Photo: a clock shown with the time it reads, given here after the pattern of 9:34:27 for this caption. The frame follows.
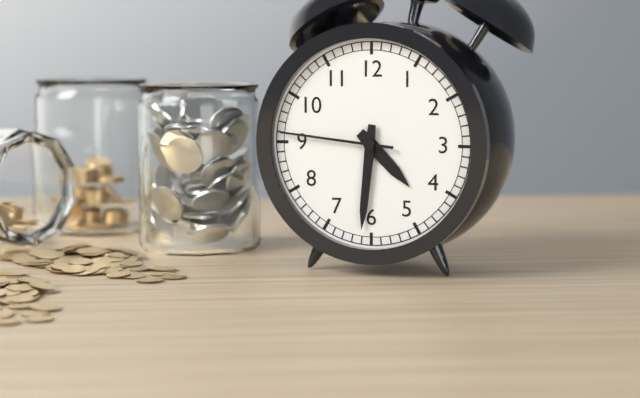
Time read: 4:31:46
